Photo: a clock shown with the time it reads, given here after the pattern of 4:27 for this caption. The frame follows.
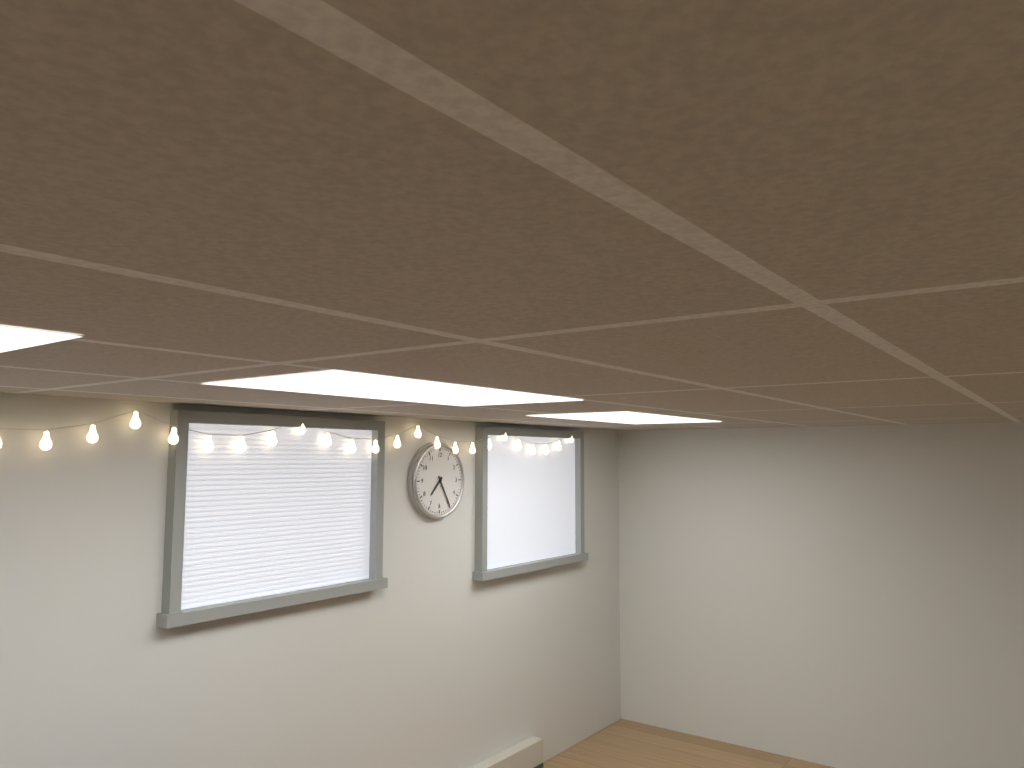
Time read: 7:25
